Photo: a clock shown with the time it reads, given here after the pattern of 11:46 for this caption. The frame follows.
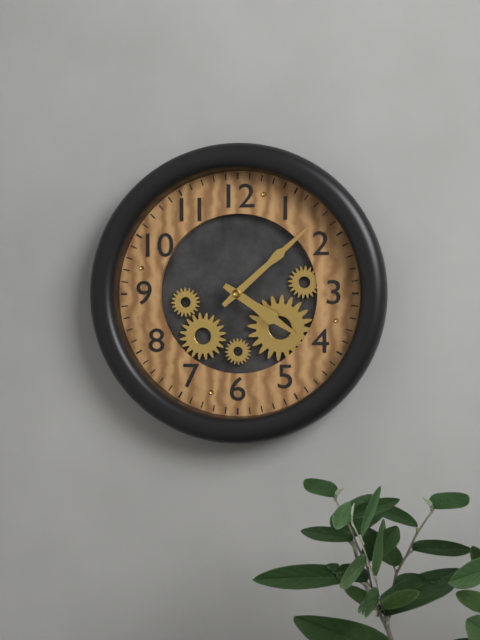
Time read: 4:08
